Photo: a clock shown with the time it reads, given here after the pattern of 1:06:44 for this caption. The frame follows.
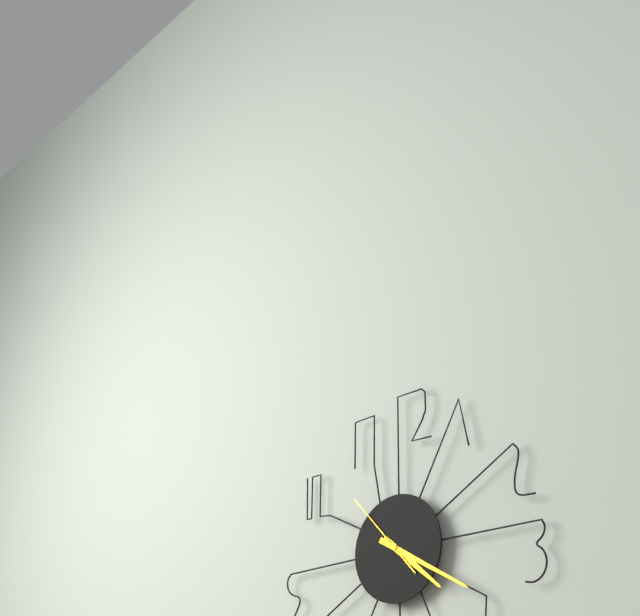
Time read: 4:20:53
